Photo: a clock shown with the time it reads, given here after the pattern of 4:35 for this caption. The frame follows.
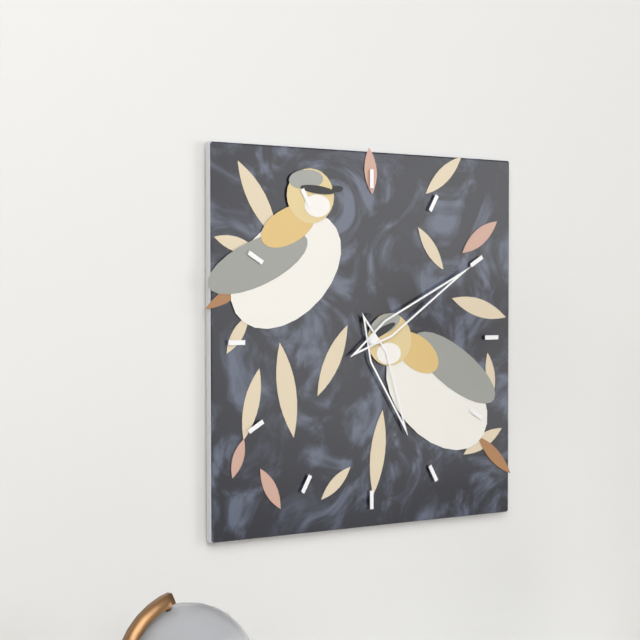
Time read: 5:10
